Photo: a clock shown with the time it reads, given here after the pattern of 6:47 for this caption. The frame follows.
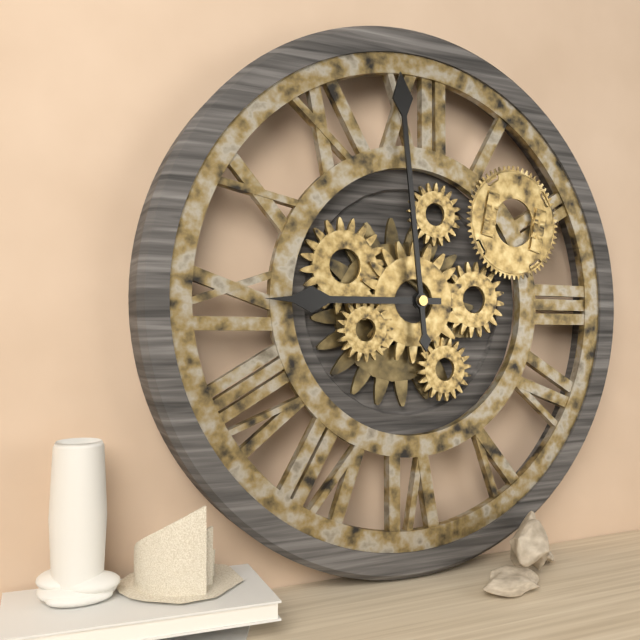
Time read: 8:59
